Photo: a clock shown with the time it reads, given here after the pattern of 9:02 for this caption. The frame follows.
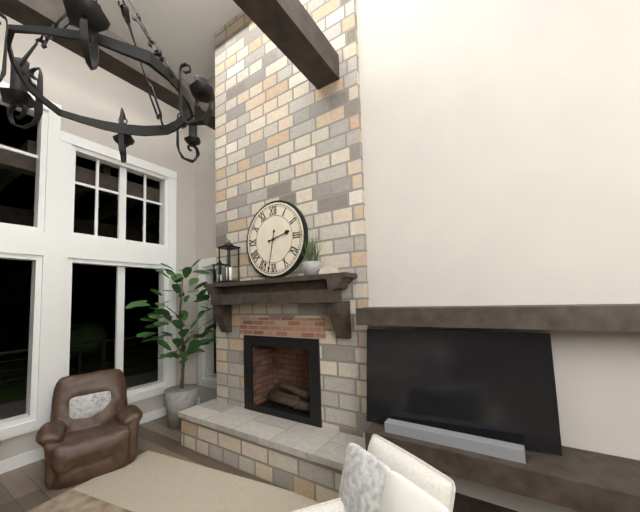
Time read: 2:32
